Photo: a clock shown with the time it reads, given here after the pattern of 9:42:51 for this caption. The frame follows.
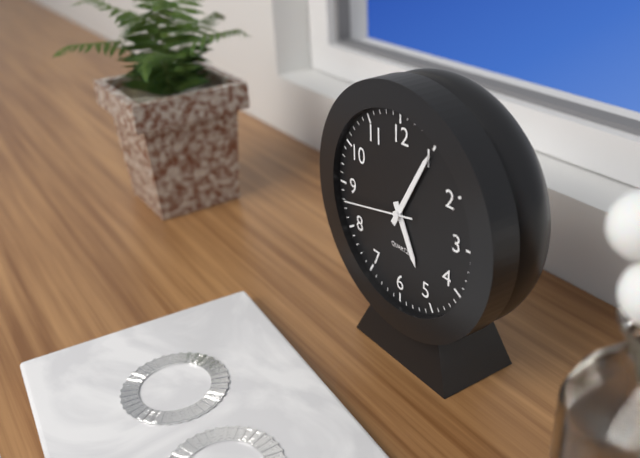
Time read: 5:05:43
